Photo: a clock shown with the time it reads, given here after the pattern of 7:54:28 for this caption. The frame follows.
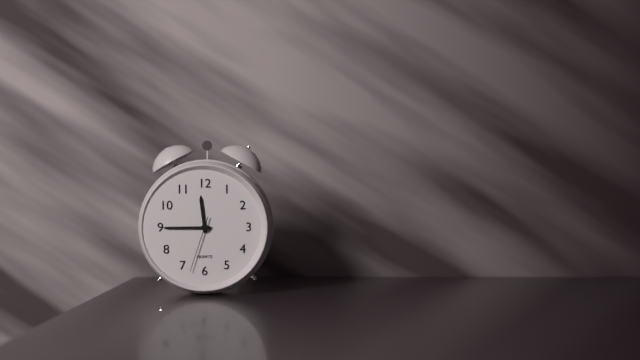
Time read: 11:45:33
